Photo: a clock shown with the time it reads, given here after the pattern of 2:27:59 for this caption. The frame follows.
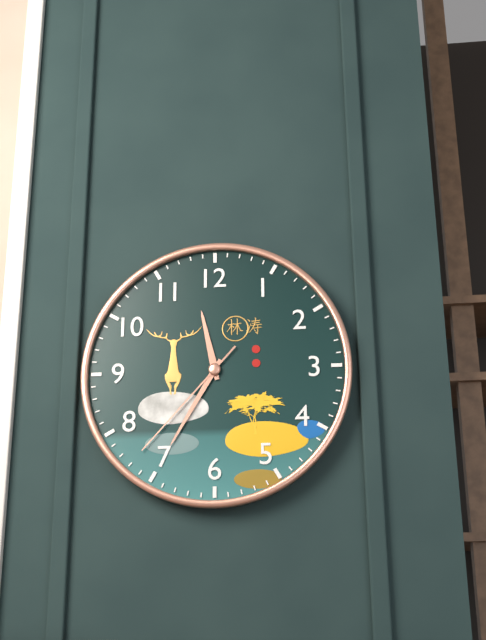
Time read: 11:35:37
